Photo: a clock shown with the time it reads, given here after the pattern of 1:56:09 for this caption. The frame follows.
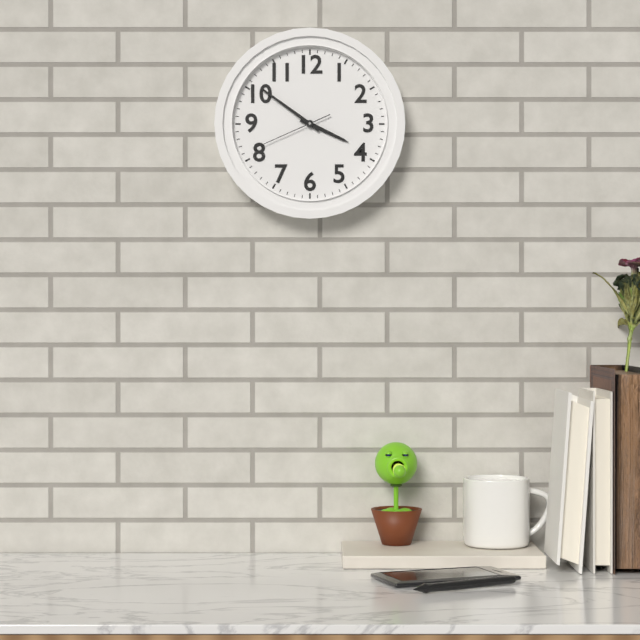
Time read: 3:51:41
